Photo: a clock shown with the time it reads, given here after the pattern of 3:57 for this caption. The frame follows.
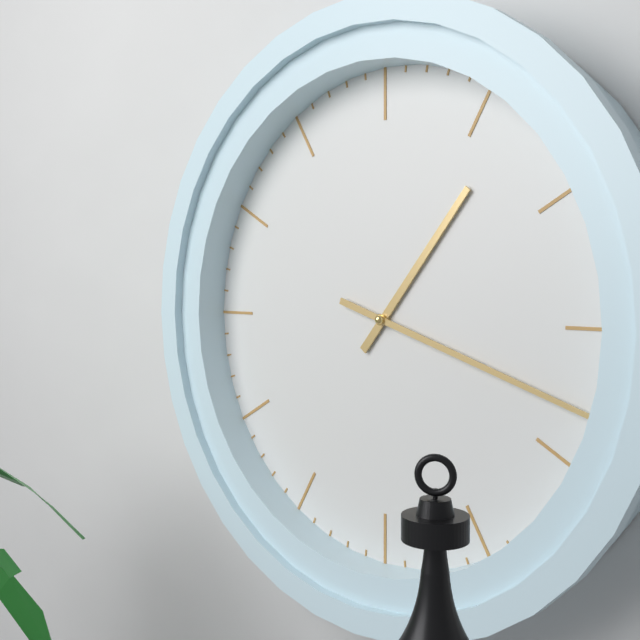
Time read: 1:18
